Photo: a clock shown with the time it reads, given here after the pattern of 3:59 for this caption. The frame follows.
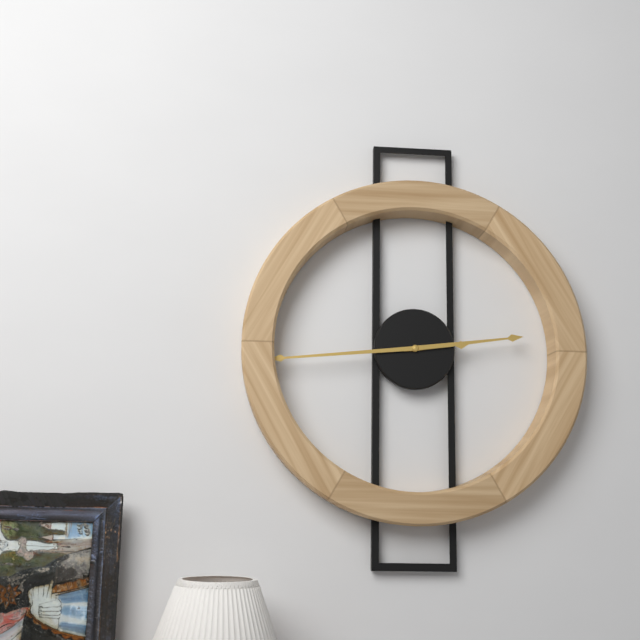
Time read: 2:44
